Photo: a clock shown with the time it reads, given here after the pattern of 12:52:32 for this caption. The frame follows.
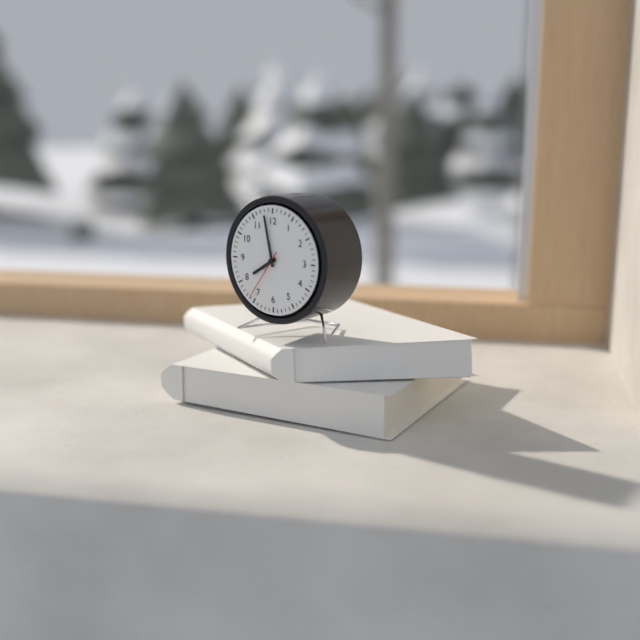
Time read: 7:58:36
